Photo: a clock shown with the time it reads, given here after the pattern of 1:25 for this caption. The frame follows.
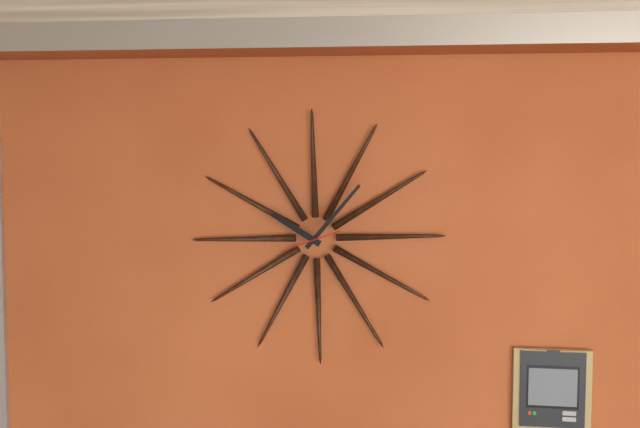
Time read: 10:07
